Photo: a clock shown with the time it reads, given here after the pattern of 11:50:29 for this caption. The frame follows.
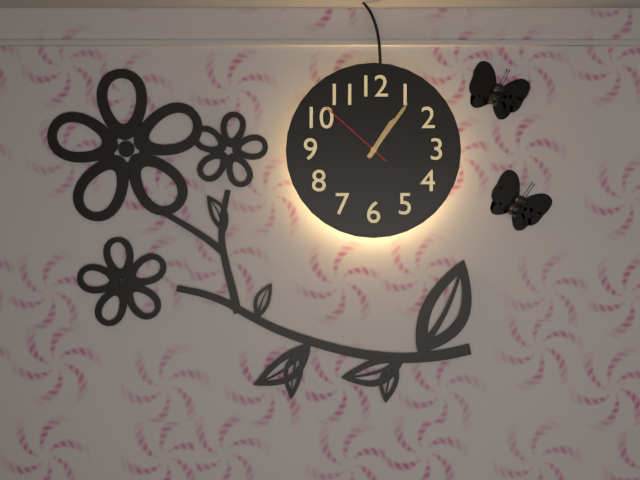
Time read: 1:06:52
